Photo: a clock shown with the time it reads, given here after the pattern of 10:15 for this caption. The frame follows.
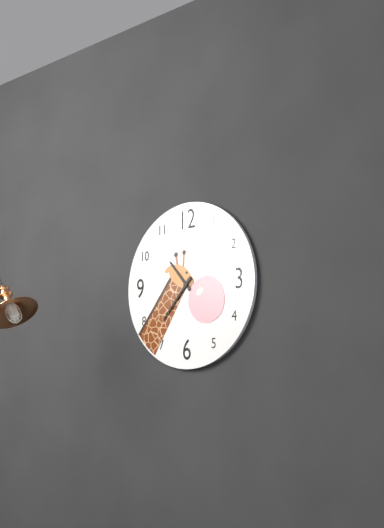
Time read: 10:37
